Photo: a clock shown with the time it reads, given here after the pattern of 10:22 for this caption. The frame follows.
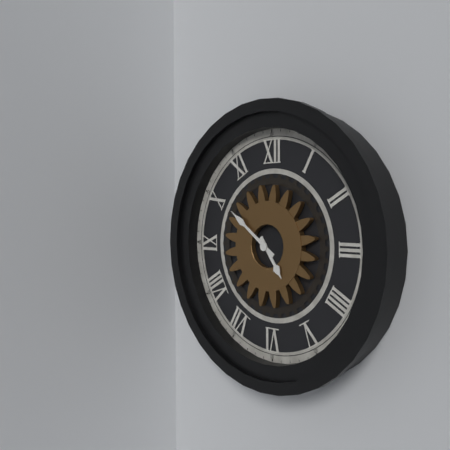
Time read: 4:51
